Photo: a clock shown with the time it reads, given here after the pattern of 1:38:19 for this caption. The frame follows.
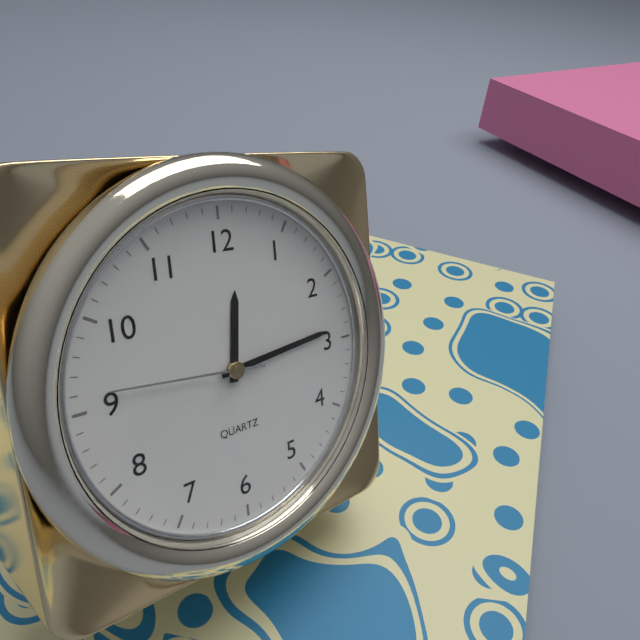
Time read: 12:14:46
